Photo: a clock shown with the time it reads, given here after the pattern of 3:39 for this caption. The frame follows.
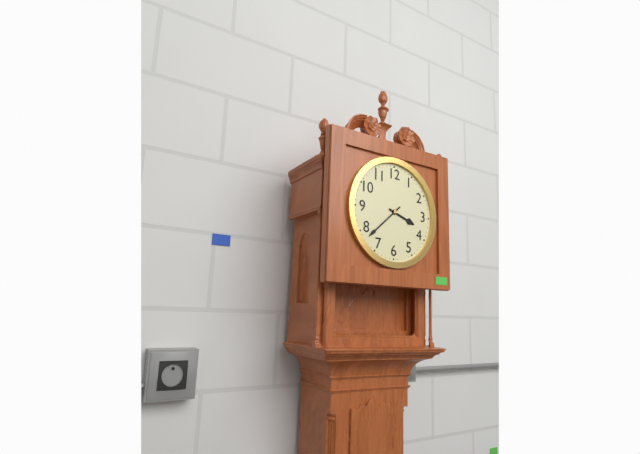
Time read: 3:38
